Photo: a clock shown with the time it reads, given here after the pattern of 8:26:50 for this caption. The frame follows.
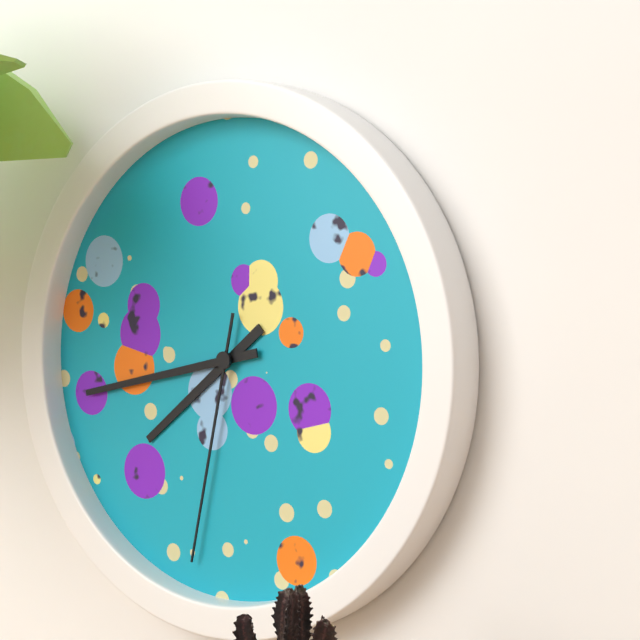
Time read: 7:43:32
